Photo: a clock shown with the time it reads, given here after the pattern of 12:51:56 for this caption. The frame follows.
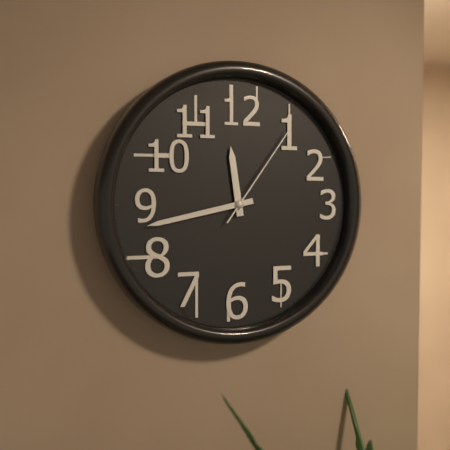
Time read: 11:43:06
